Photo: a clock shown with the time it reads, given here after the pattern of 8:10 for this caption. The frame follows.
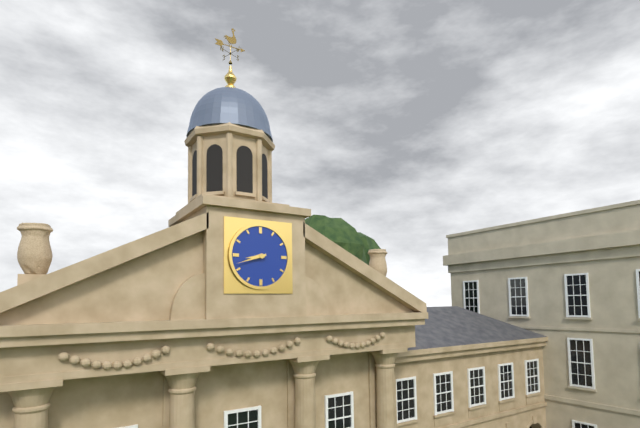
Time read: 8:42
